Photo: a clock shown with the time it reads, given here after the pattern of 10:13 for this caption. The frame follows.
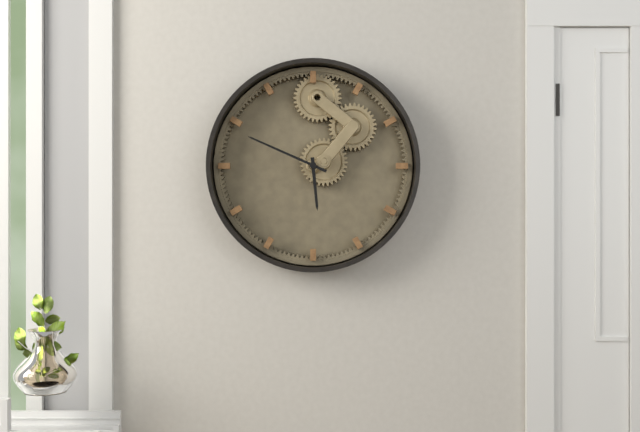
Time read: 5:49
